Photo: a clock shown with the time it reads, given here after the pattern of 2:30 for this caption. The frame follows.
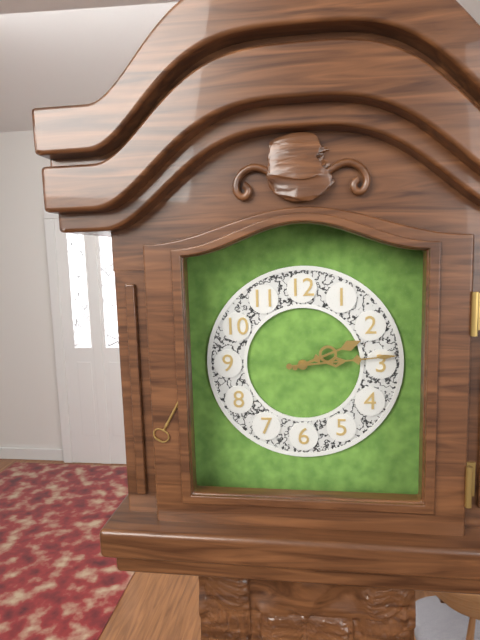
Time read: 2:14
